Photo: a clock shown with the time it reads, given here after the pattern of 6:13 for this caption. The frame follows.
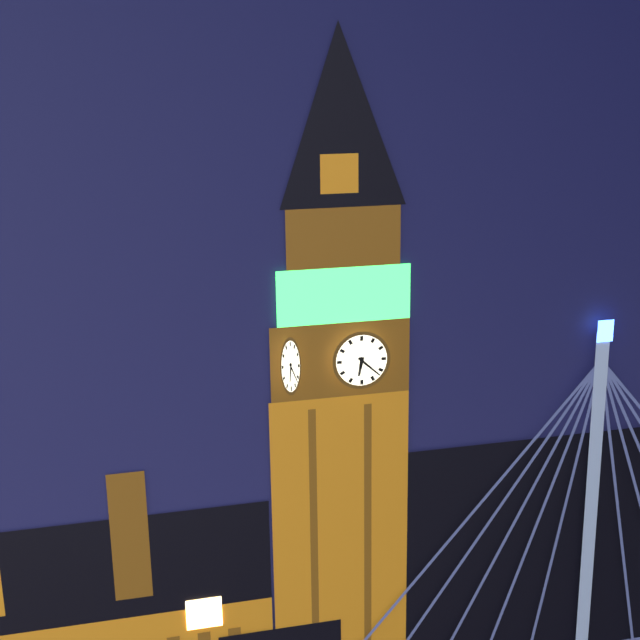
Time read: 6:22
